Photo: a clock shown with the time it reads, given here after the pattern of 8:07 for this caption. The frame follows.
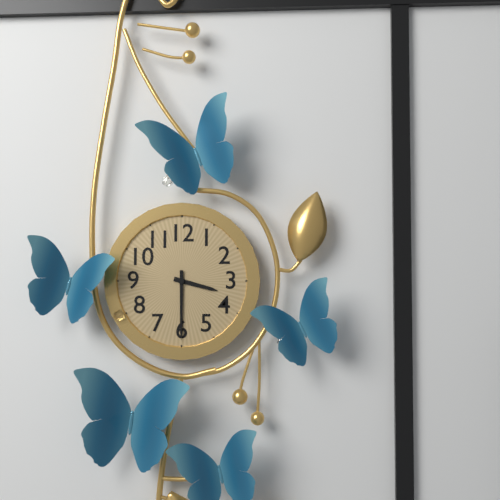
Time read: 3:30
